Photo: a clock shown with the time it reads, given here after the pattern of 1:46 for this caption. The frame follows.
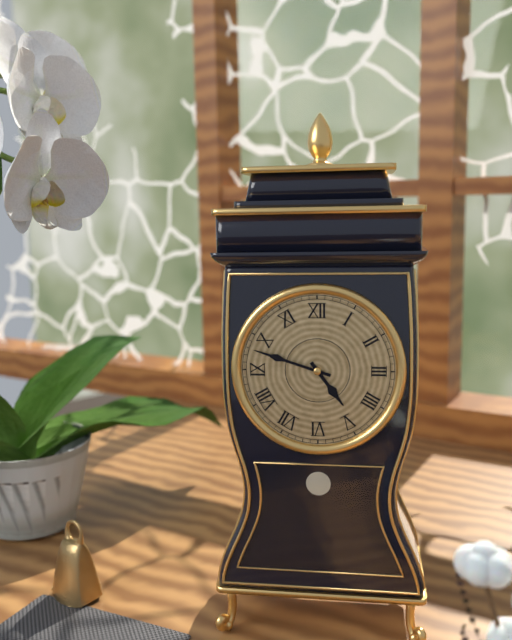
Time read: 4:48
